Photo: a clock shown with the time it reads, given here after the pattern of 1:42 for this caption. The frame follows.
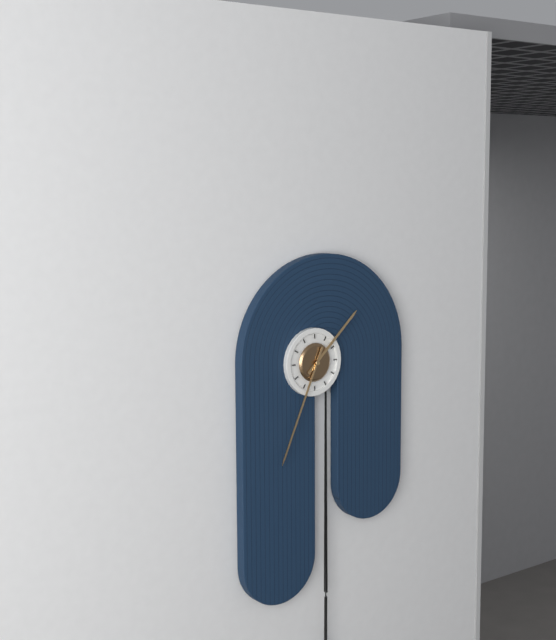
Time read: 1:34
